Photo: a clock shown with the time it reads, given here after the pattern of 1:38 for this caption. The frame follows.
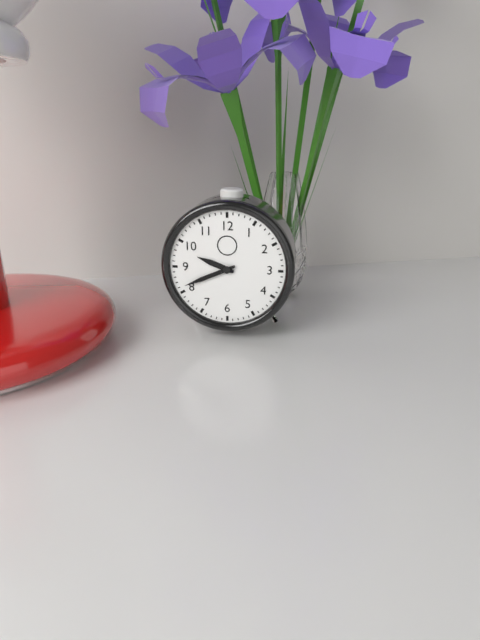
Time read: 9:41
